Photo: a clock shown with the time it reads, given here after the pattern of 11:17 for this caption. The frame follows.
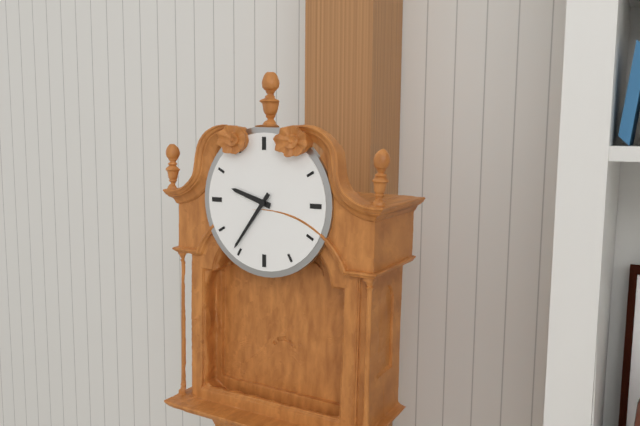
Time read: 9:36
